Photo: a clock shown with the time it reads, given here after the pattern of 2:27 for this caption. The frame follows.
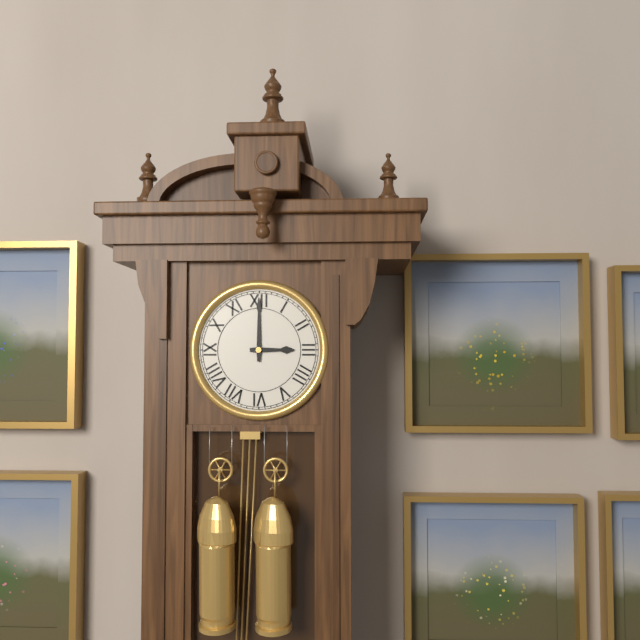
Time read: 3:00
